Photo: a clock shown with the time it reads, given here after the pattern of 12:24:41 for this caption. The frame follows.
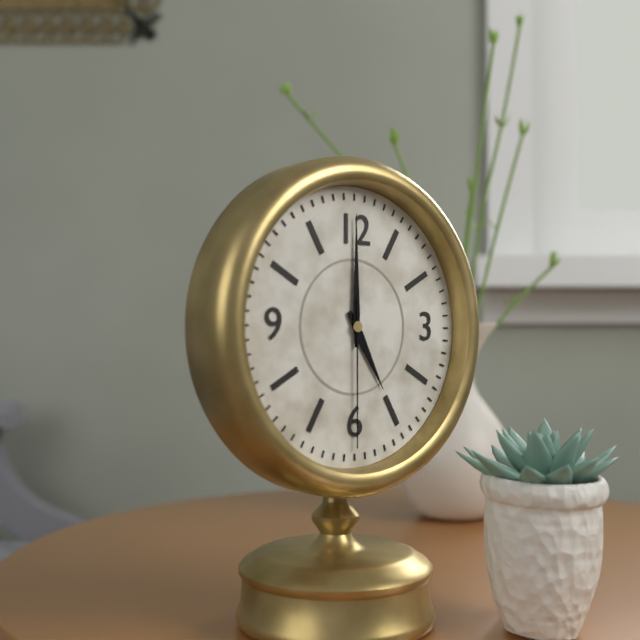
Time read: 5:00:30
